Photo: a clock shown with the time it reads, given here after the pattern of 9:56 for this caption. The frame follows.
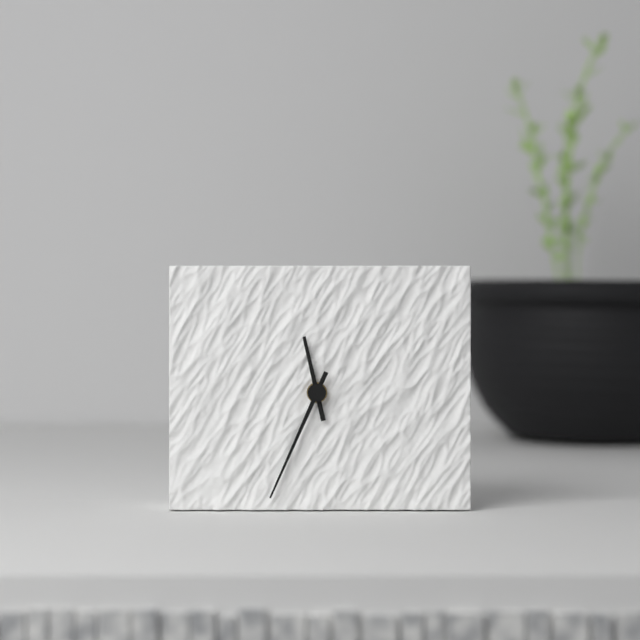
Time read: 11:34
